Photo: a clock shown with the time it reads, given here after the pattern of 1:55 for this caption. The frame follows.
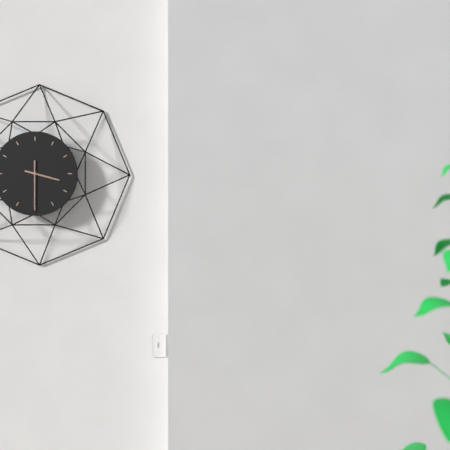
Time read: 3:30
